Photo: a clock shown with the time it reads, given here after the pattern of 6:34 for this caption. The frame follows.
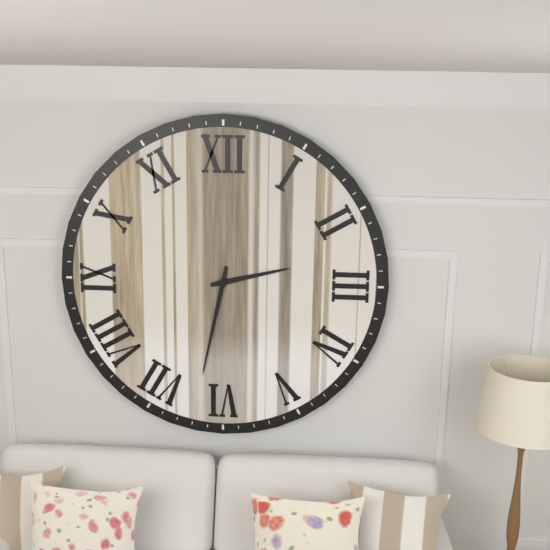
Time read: 2:32
